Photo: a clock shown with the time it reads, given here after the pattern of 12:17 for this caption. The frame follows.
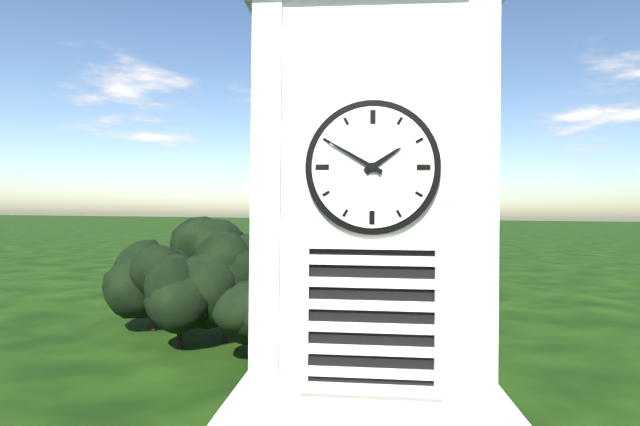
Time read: 1:50
